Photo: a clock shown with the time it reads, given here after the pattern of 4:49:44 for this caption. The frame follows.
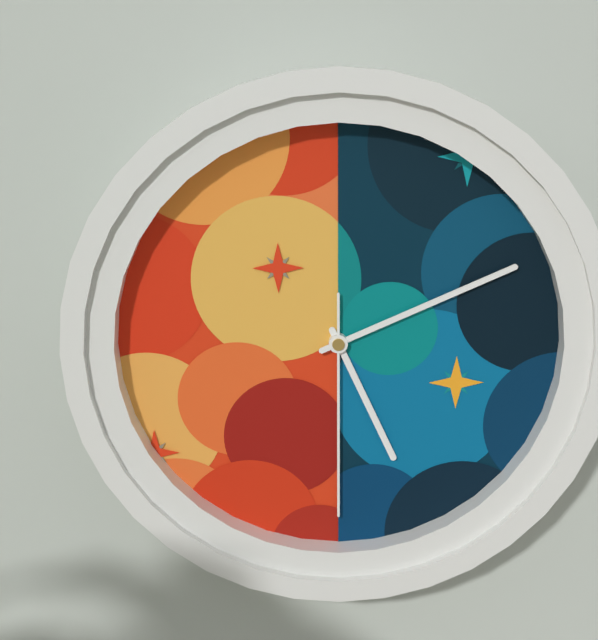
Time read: 5:11:30
